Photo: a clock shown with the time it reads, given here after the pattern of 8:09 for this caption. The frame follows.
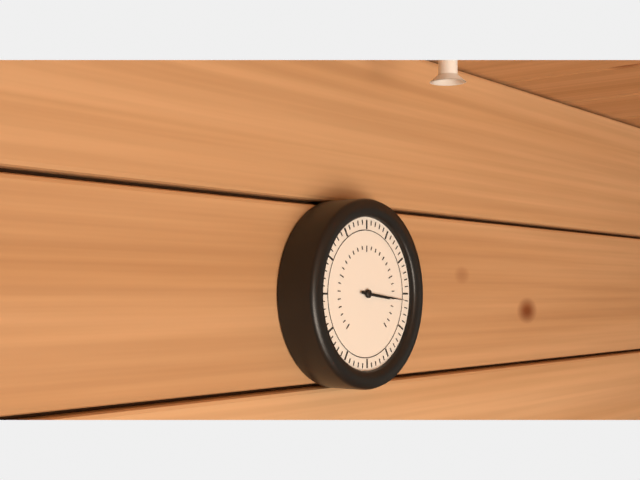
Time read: 3:16
